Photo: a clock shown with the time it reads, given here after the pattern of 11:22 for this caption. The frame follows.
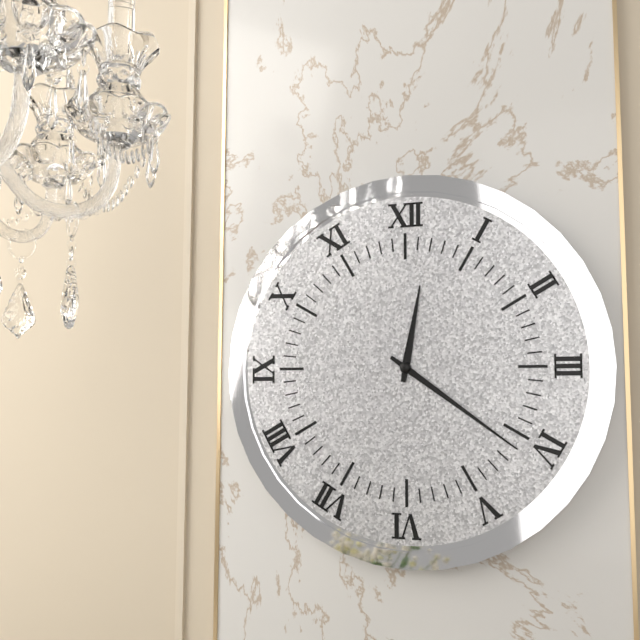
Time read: 12:21
